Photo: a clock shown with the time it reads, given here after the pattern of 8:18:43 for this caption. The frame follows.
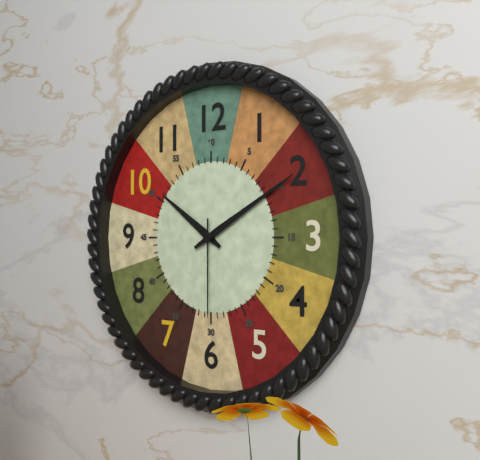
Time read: 10:10:30
